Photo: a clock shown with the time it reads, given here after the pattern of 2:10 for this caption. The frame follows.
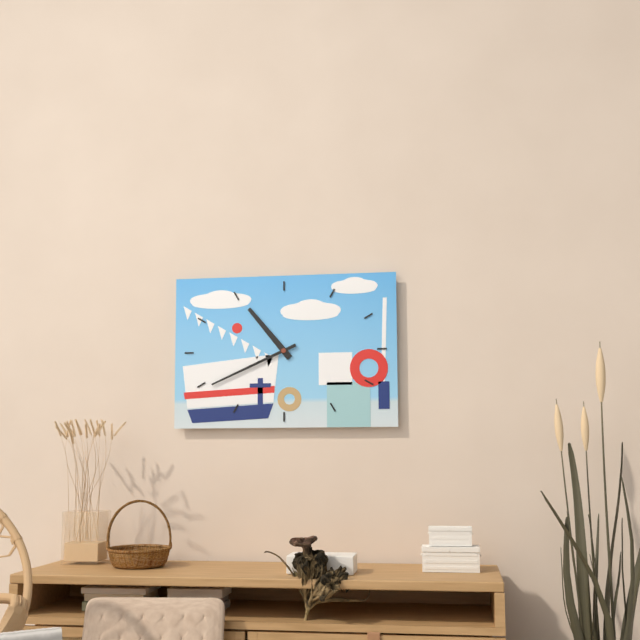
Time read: 10:41
